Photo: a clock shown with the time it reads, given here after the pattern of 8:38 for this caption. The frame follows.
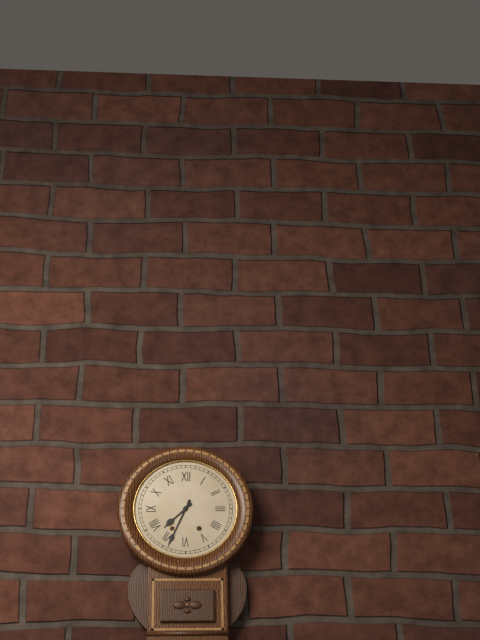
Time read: 7:34
